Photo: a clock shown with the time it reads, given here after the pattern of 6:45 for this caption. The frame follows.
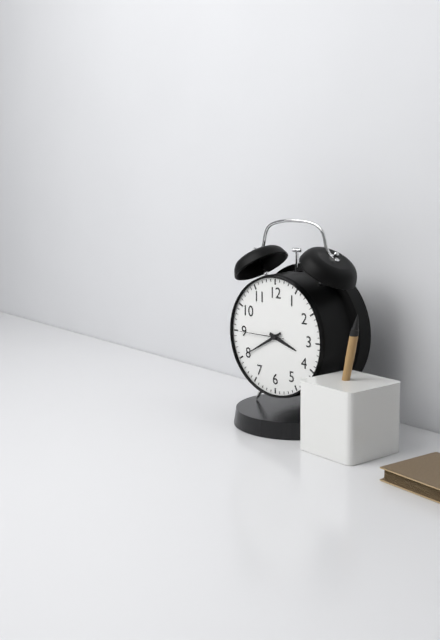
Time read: 3:40
